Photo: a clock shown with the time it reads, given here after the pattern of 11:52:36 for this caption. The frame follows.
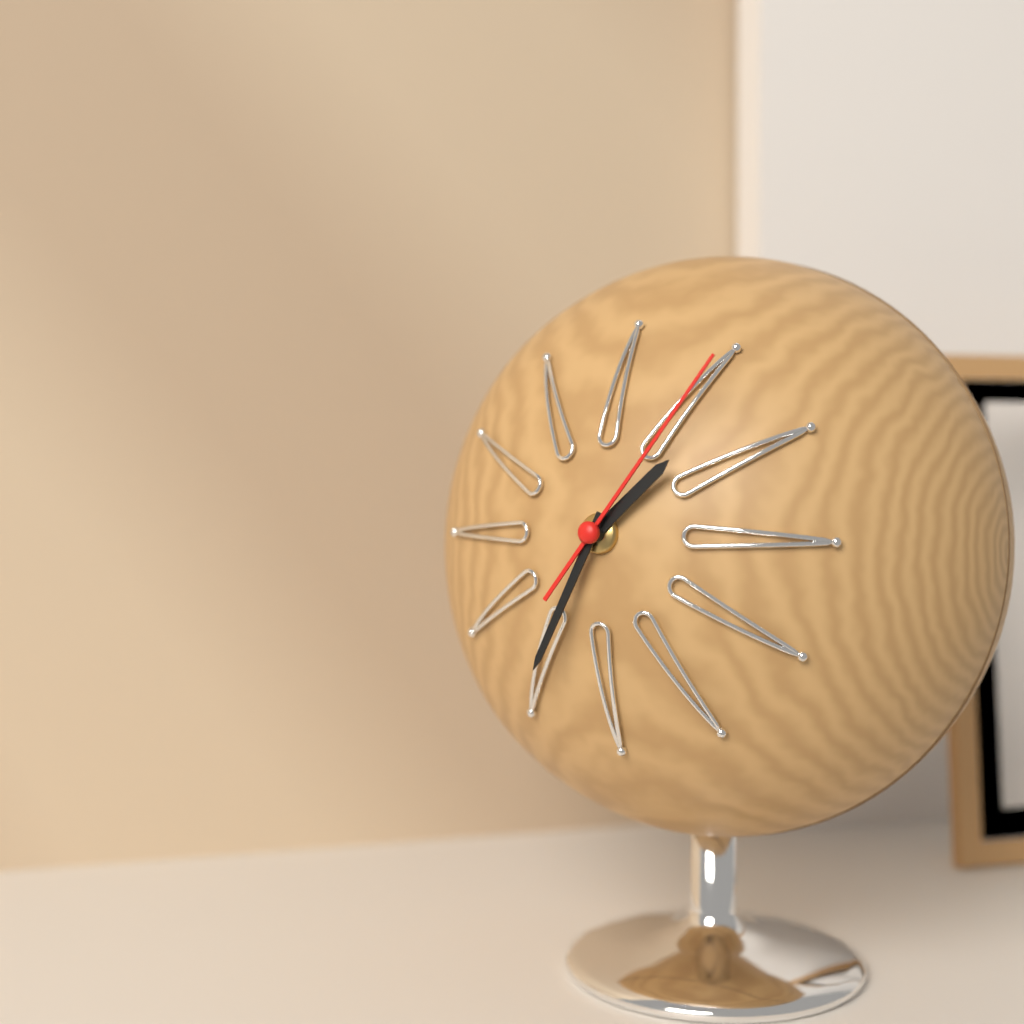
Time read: 1:34:06
